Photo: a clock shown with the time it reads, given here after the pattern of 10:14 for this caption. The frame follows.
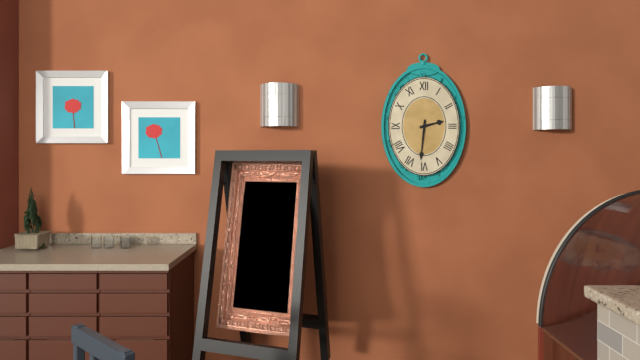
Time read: 2:31
